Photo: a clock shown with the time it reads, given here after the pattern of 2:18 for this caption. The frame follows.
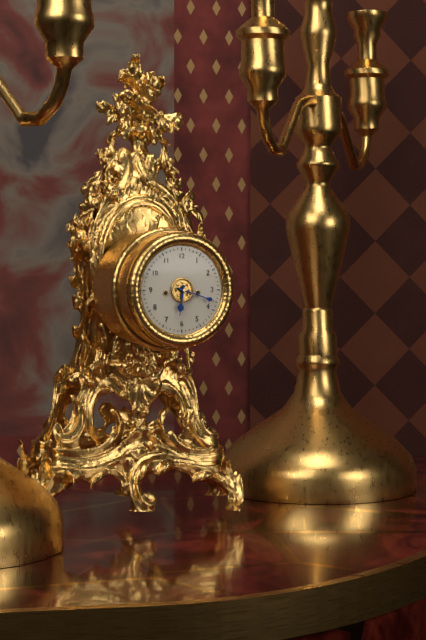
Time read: 6:18
